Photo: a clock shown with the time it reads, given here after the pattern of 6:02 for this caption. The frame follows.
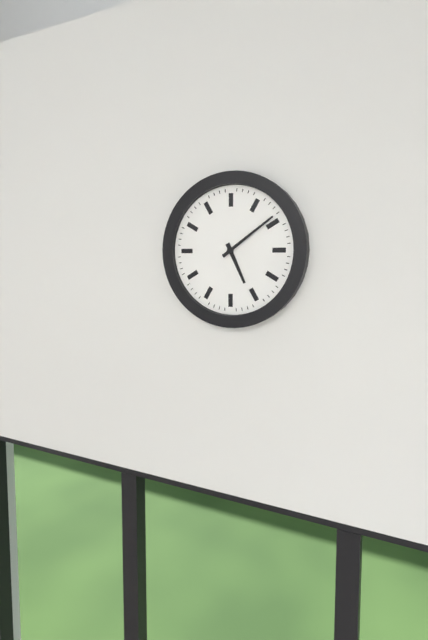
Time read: 5:09
